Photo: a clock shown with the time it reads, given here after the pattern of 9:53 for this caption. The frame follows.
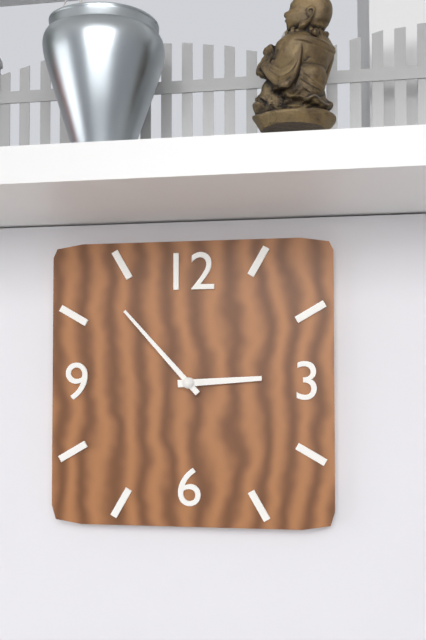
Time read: 2:53
